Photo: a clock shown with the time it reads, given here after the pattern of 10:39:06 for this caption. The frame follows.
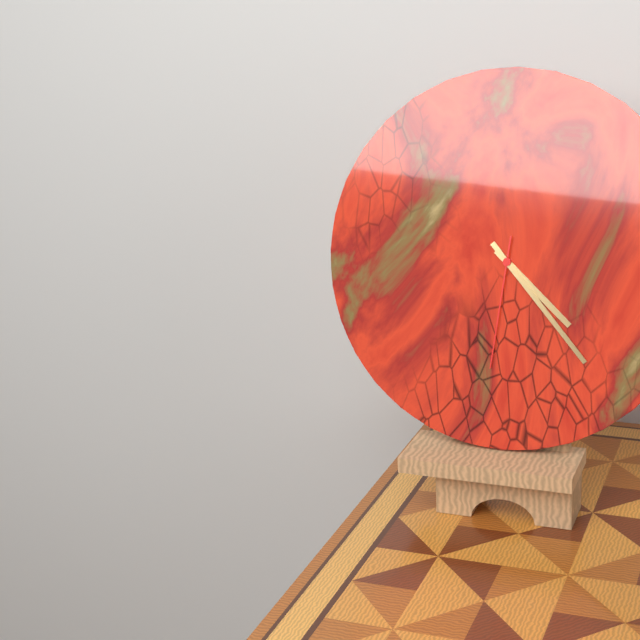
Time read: 4:23:31
